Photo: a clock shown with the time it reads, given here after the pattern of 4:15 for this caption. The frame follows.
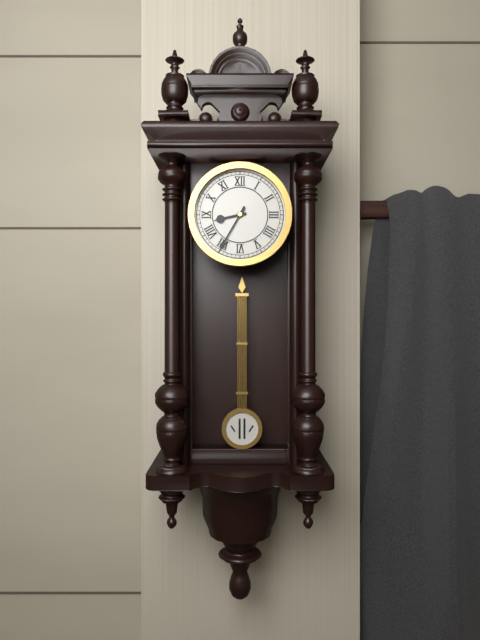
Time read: 8:35
